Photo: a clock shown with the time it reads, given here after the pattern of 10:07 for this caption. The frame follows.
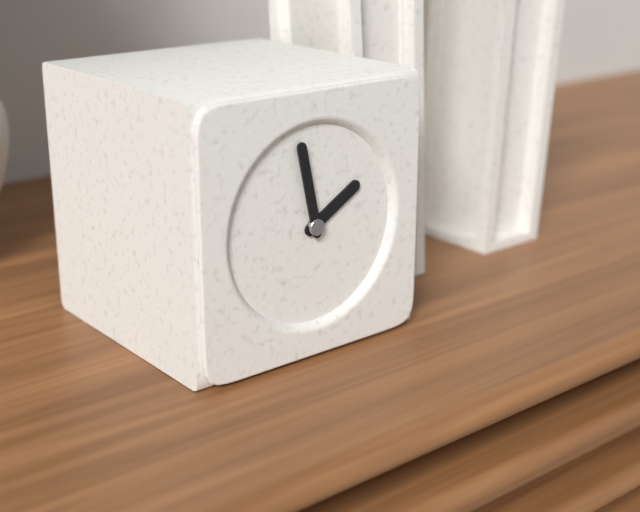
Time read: 1:58
